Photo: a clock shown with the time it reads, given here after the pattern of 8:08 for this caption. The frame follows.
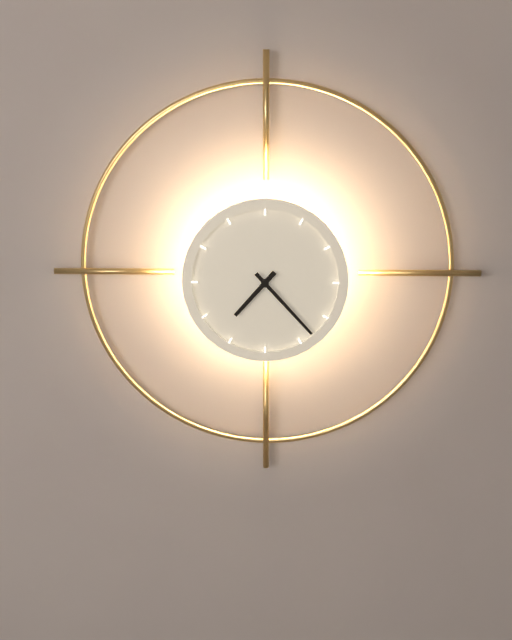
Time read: 7:23
